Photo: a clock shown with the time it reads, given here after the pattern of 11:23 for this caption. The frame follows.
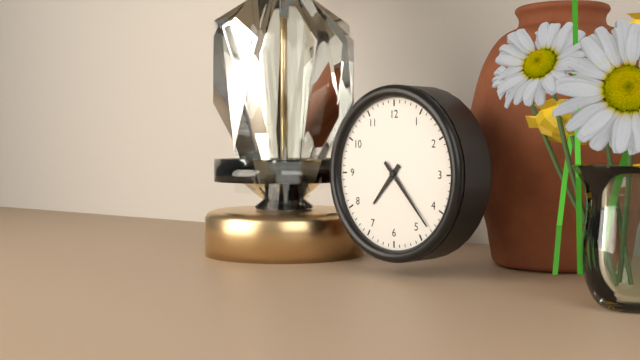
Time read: 7:23
